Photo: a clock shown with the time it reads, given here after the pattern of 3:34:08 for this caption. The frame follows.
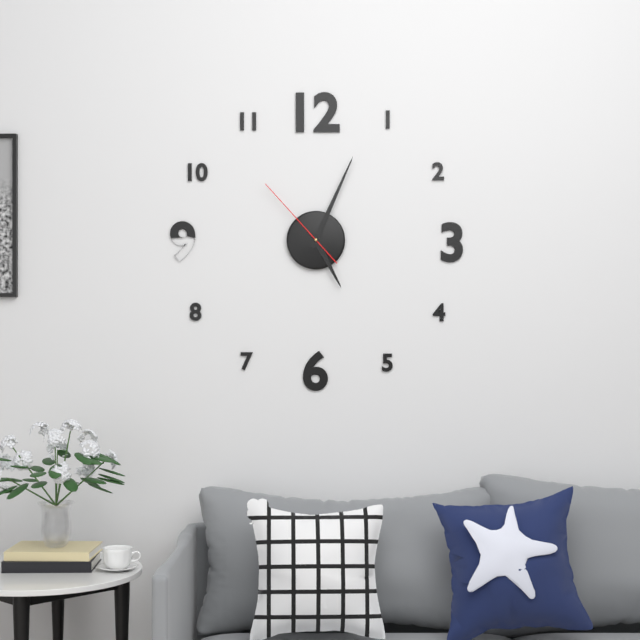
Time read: 5:04:53
